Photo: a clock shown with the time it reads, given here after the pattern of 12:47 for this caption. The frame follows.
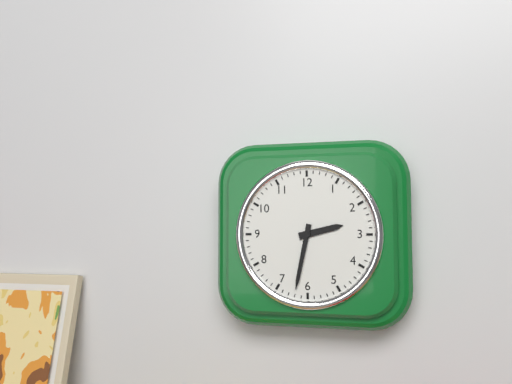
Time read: 2:32
